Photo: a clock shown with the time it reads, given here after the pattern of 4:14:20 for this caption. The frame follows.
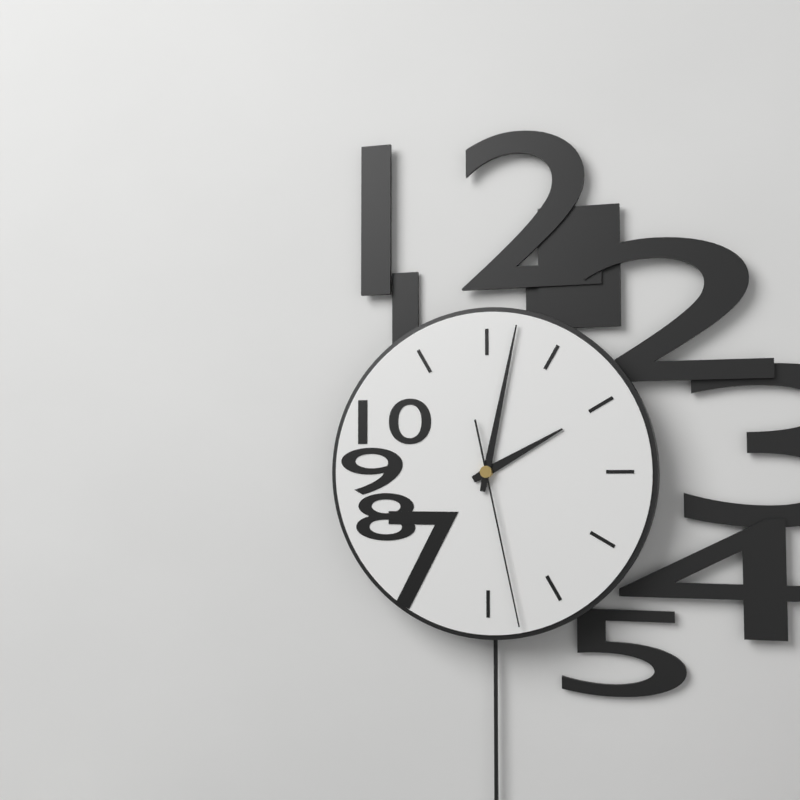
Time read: 2:02:28
